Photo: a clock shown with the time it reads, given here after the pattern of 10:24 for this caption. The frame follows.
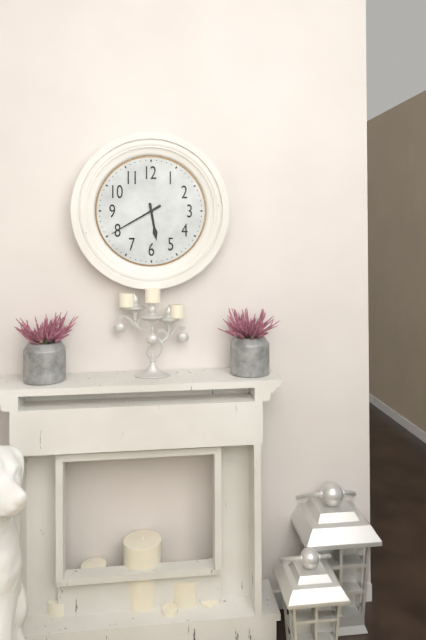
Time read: 5:40
